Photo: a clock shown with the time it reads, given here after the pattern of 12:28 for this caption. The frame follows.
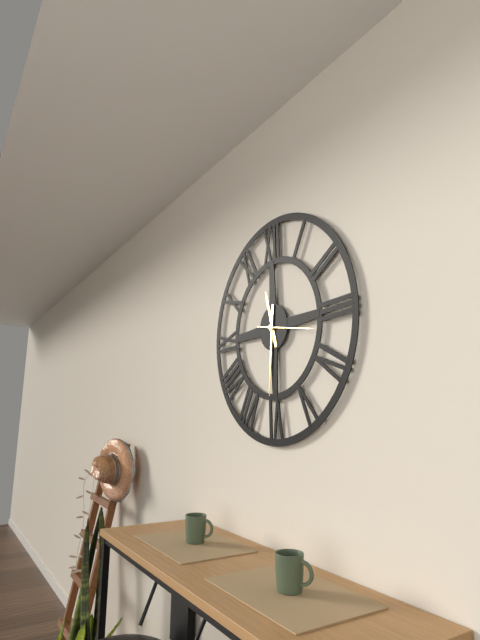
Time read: 11:31
